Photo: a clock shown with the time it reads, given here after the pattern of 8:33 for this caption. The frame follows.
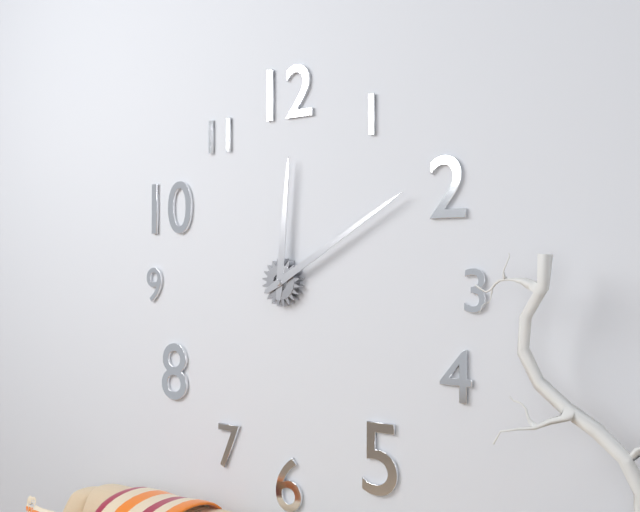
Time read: 12:10
